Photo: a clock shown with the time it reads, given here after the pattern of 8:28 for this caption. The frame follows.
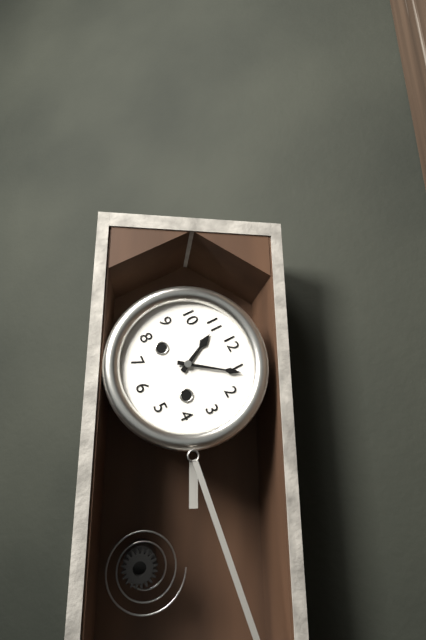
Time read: 11:06
